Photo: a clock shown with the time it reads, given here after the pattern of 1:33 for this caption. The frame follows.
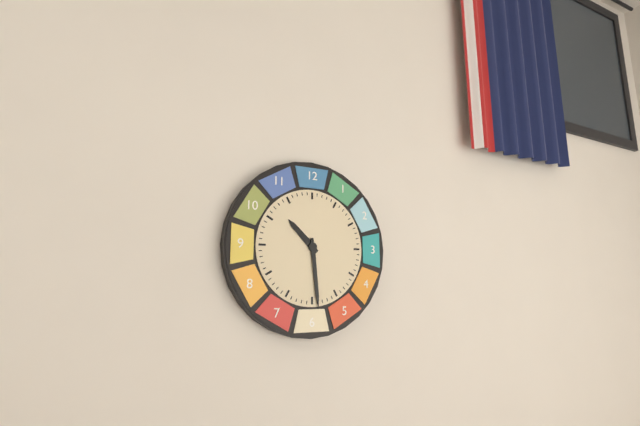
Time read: 10:29
